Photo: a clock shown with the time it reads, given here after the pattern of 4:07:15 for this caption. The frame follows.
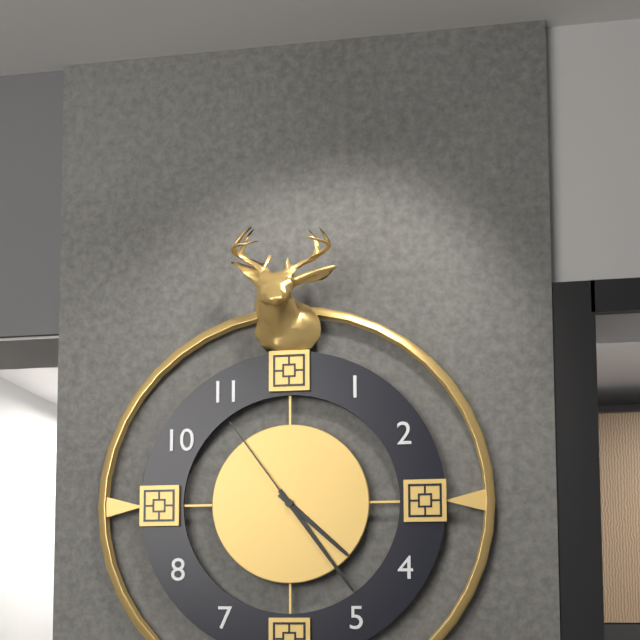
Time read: 4:24:54
